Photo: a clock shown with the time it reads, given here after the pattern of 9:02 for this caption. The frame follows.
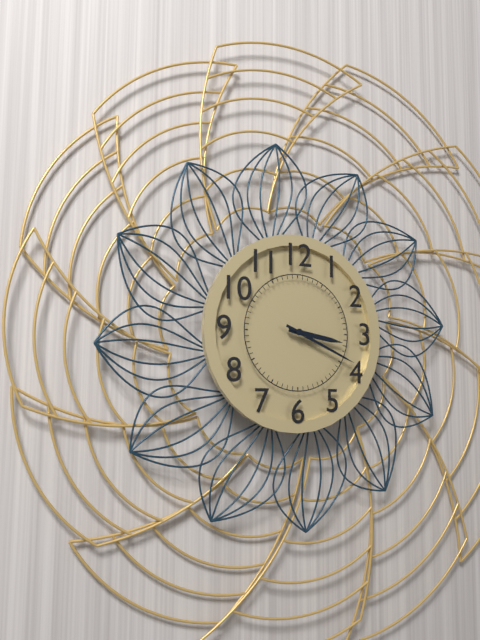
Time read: 3:19
